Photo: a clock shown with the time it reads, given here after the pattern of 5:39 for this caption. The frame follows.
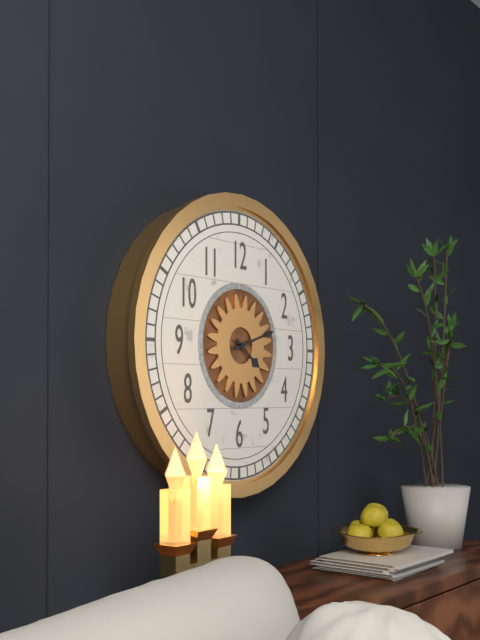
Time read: 4:12
